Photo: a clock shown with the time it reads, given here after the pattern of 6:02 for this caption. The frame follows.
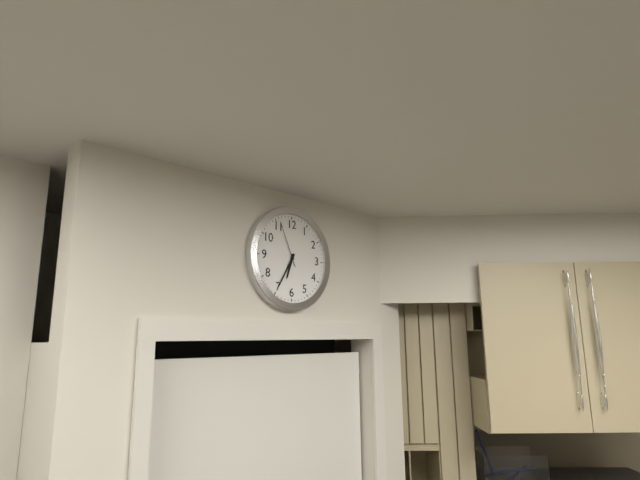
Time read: 6:35
